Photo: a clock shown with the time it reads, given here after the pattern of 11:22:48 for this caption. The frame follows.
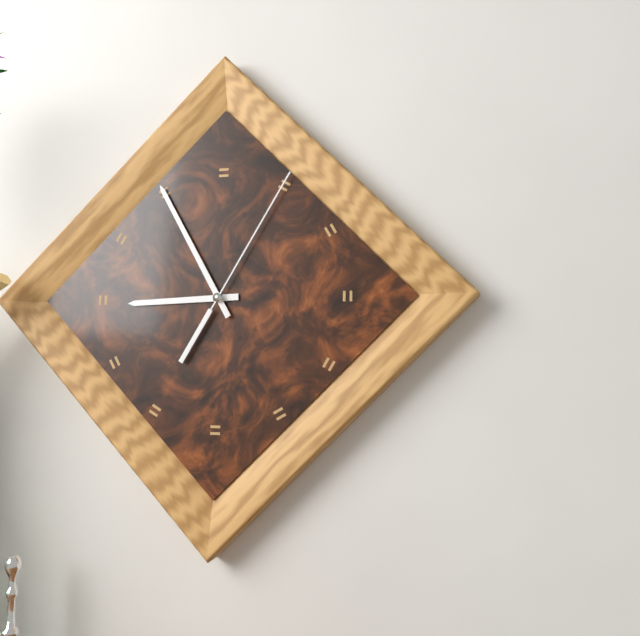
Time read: 8:55:05
